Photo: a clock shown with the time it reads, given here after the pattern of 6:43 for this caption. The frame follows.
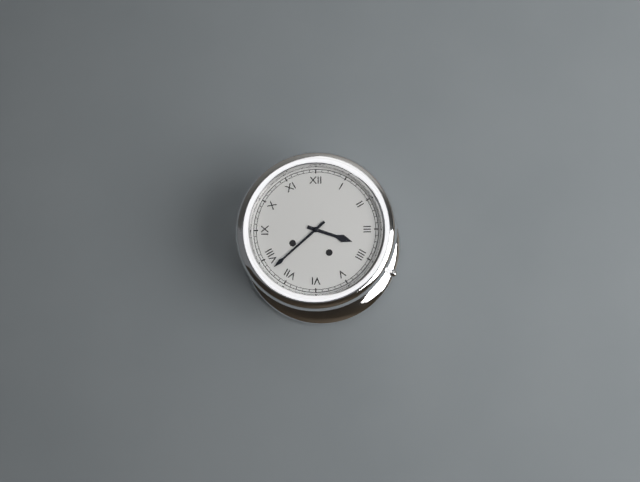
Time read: 3:38
